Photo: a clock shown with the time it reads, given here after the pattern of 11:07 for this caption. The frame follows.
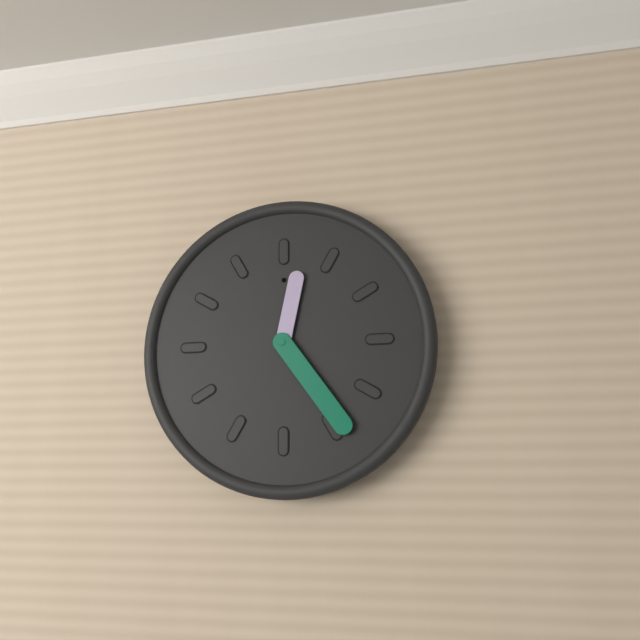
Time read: 12:24
